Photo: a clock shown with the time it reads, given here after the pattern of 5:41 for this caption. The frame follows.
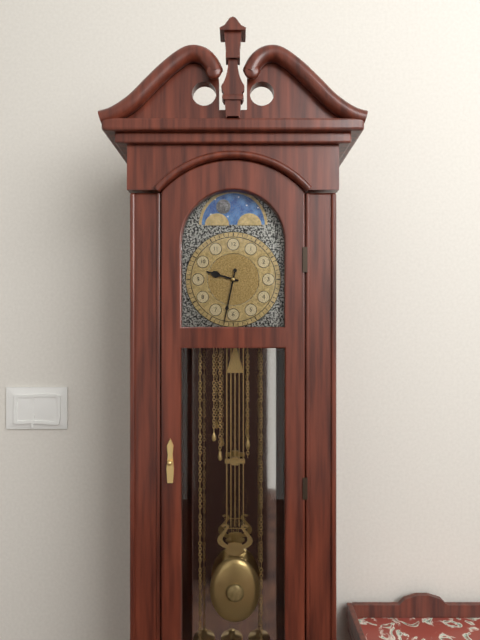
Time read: 9:32
